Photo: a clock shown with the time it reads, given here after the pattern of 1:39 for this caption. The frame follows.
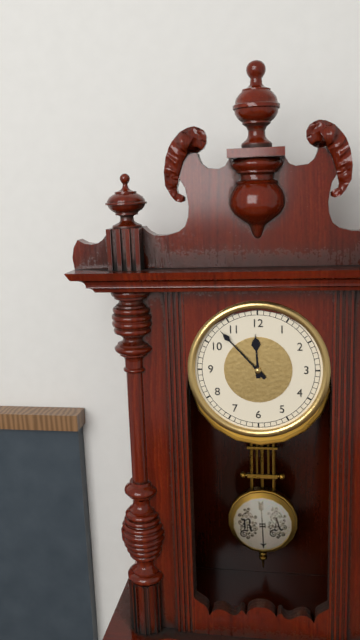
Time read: 11:53
